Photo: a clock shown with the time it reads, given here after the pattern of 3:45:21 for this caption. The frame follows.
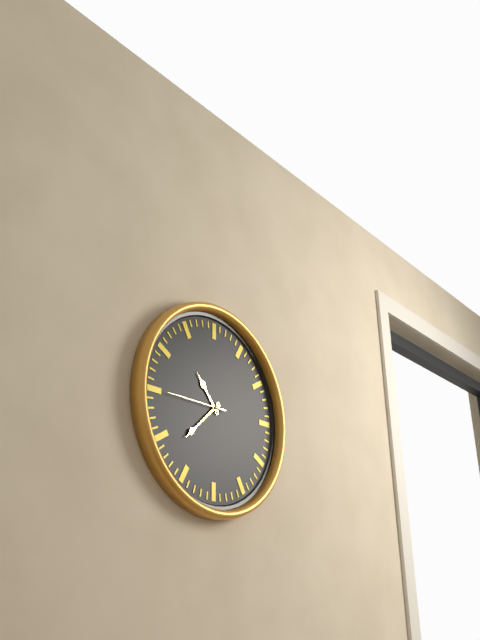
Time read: 10:38:45
